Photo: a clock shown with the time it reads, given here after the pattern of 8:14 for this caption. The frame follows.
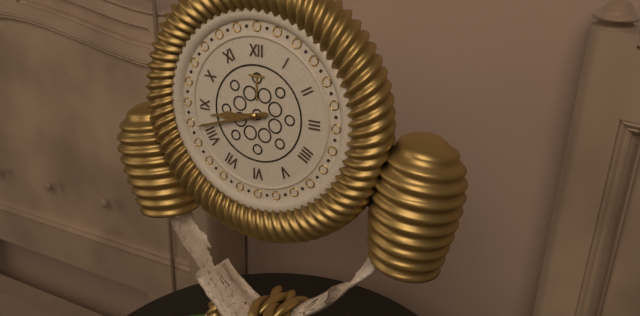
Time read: 8:42
